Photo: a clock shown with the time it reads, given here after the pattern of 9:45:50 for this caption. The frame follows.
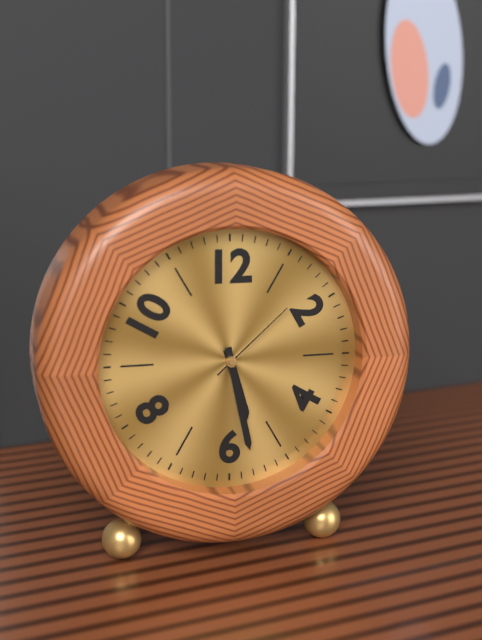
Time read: 5:28:08
